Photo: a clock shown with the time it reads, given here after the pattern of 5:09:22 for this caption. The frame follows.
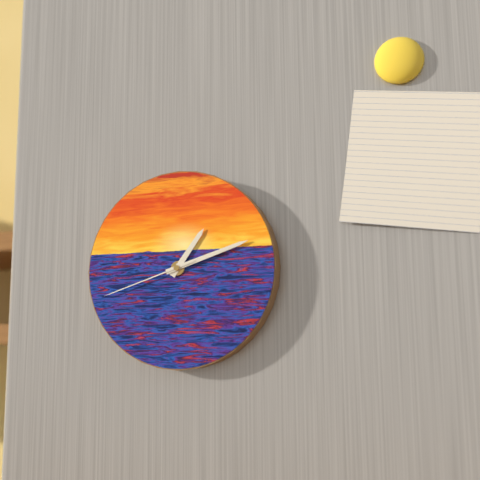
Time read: 1:12:42
